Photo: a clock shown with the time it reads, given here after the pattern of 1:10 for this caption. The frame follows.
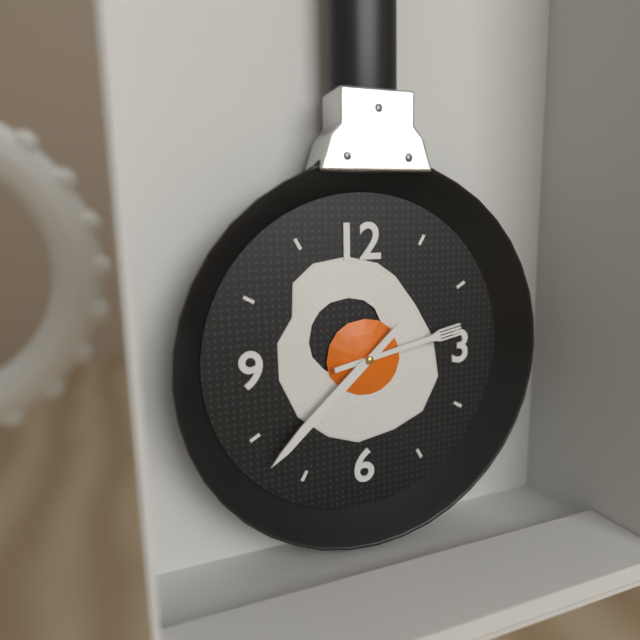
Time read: 2:38
